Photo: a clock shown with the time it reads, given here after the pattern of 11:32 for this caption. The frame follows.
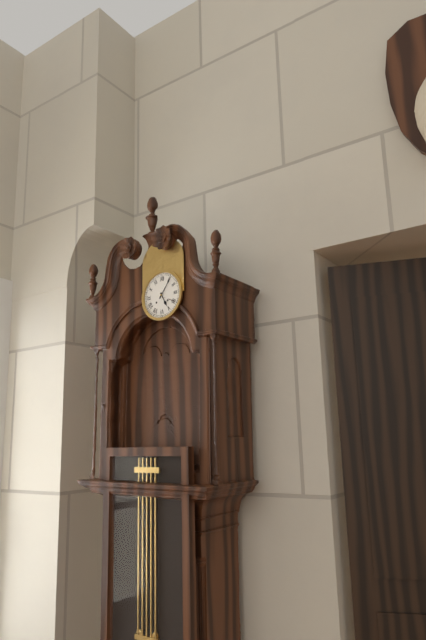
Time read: 5:06
